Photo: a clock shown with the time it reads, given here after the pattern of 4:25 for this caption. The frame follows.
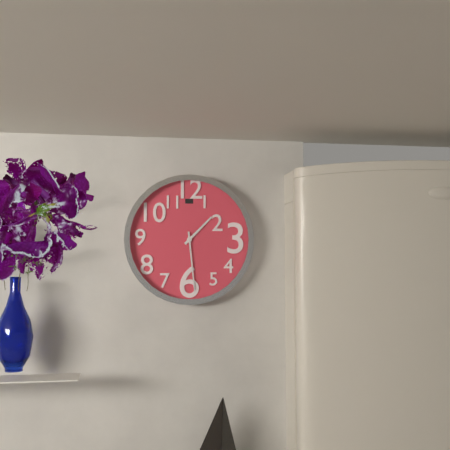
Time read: 1:29
